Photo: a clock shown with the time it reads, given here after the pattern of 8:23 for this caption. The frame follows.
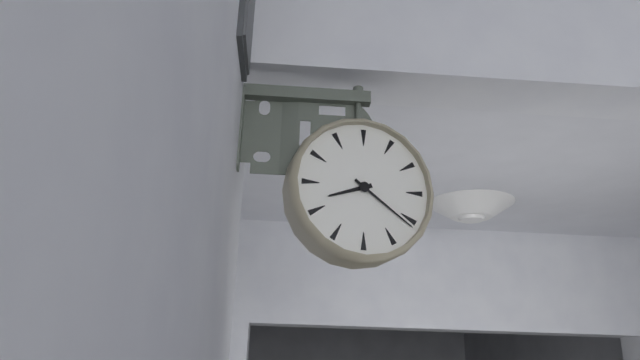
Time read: 8:21
